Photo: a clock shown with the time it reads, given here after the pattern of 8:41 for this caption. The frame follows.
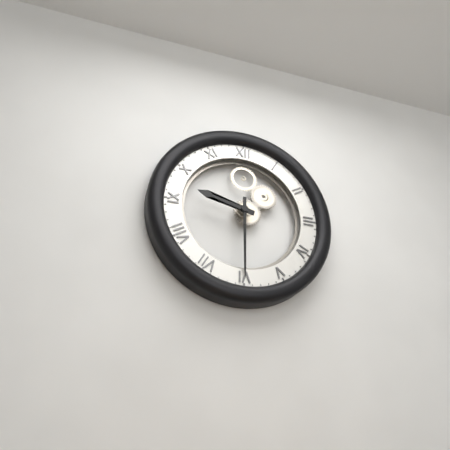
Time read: 9:30
